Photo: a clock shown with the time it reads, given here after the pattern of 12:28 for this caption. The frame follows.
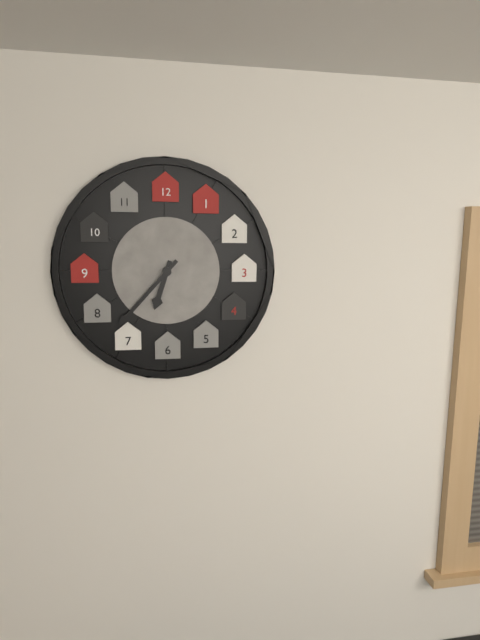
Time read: 6:37
